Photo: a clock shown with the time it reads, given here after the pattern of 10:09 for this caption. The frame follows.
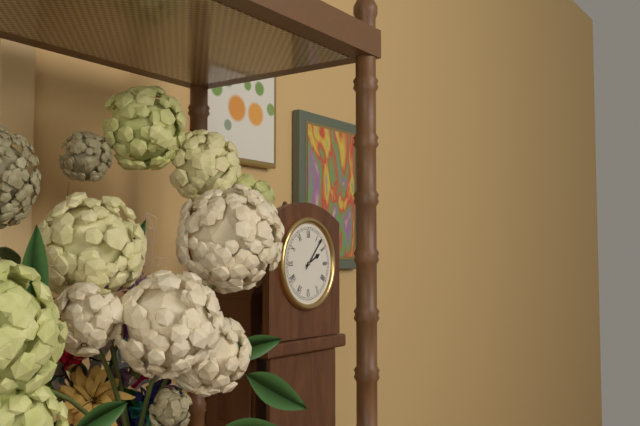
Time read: 2:07
